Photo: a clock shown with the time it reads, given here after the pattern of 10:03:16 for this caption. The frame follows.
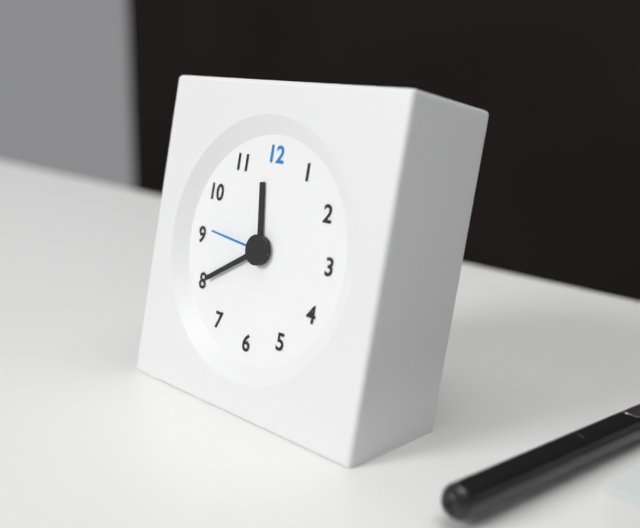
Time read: 11:40:46
